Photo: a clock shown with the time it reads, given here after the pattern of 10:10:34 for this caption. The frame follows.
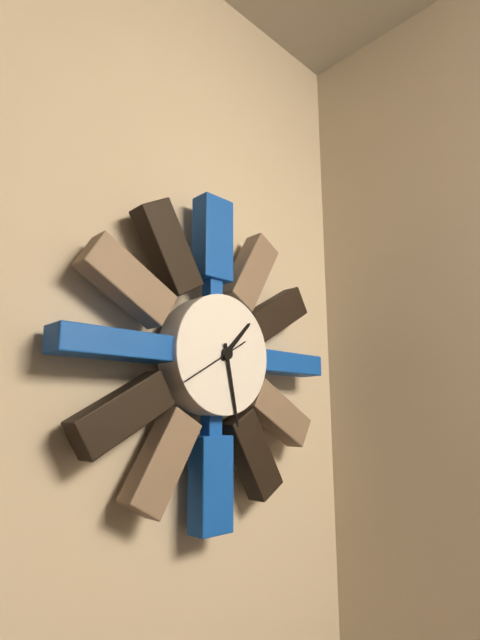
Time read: 1:28:40
